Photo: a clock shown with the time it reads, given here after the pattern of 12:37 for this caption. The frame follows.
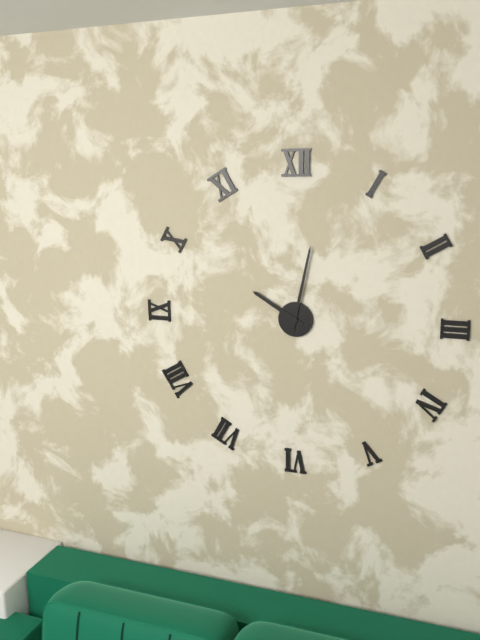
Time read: 10:02
